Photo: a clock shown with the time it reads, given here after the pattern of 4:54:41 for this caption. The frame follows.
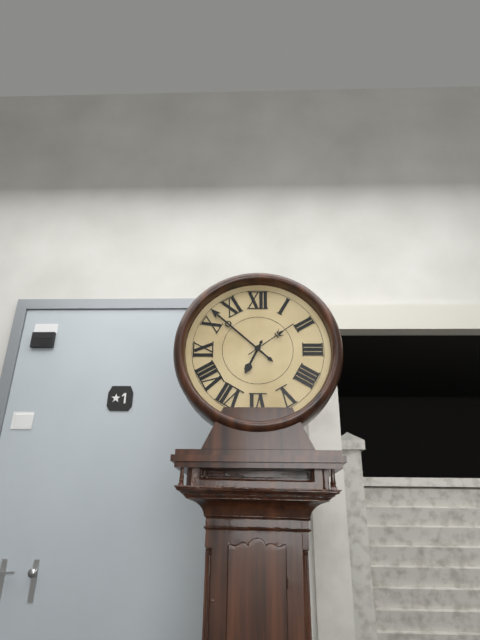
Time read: 6:52:09
